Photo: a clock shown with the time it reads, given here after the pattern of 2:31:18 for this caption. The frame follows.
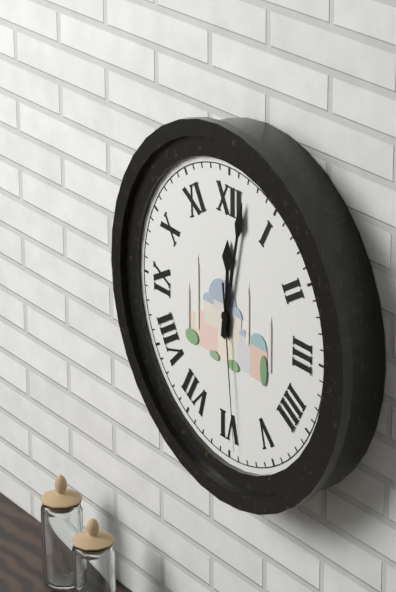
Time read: 12:02:29
